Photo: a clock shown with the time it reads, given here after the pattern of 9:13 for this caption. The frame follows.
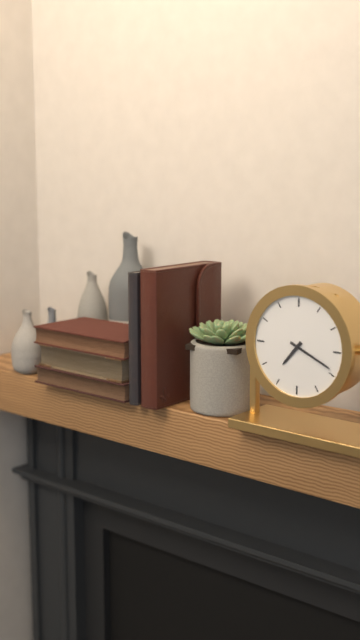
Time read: 7:19
